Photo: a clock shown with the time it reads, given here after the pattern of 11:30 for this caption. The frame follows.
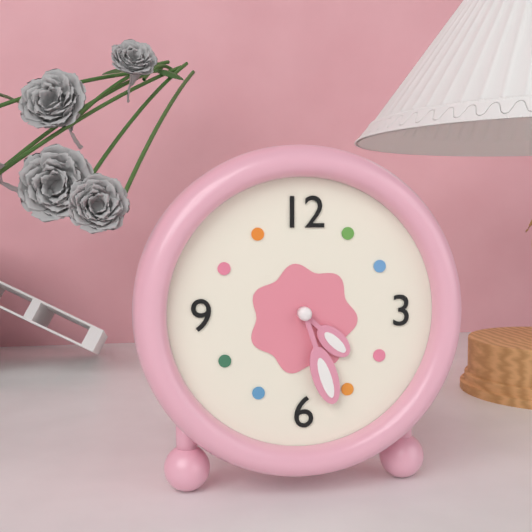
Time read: 4:27
